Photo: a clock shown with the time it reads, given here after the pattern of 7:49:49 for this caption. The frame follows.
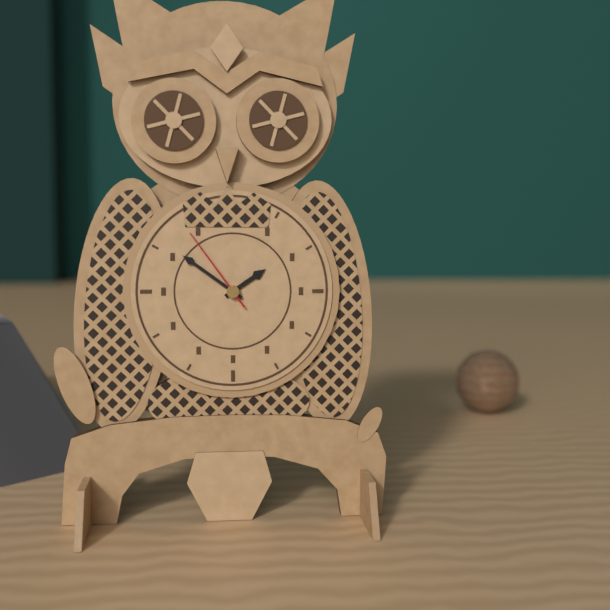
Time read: 1:51:54
